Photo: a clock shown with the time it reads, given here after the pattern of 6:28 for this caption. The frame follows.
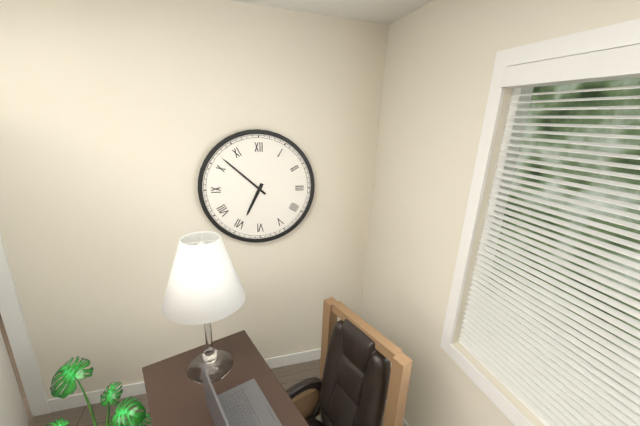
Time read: 6:52
